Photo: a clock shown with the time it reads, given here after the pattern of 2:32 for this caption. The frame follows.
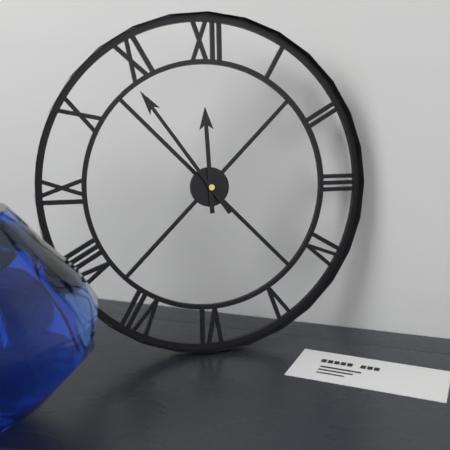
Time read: 11:54
